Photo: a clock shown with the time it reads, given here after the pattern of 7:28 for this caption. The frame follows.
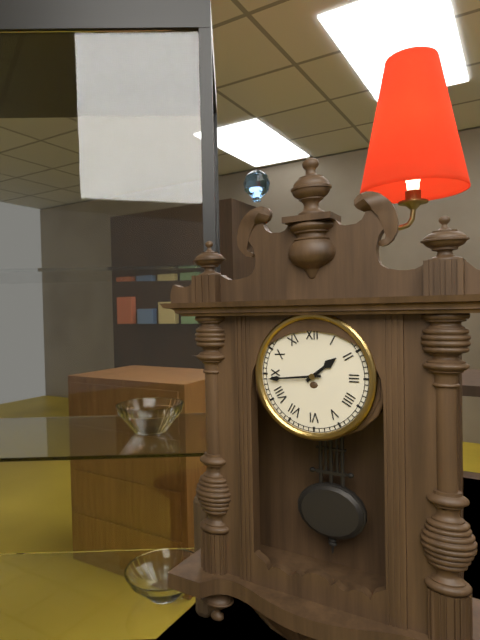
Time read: 1:44
